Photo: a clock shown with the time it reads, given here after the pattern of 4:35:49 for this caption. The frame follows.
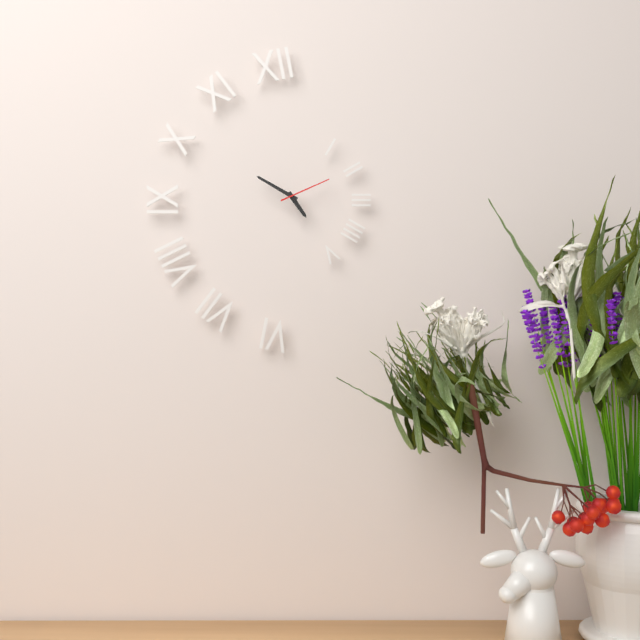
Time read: 4:50:11
